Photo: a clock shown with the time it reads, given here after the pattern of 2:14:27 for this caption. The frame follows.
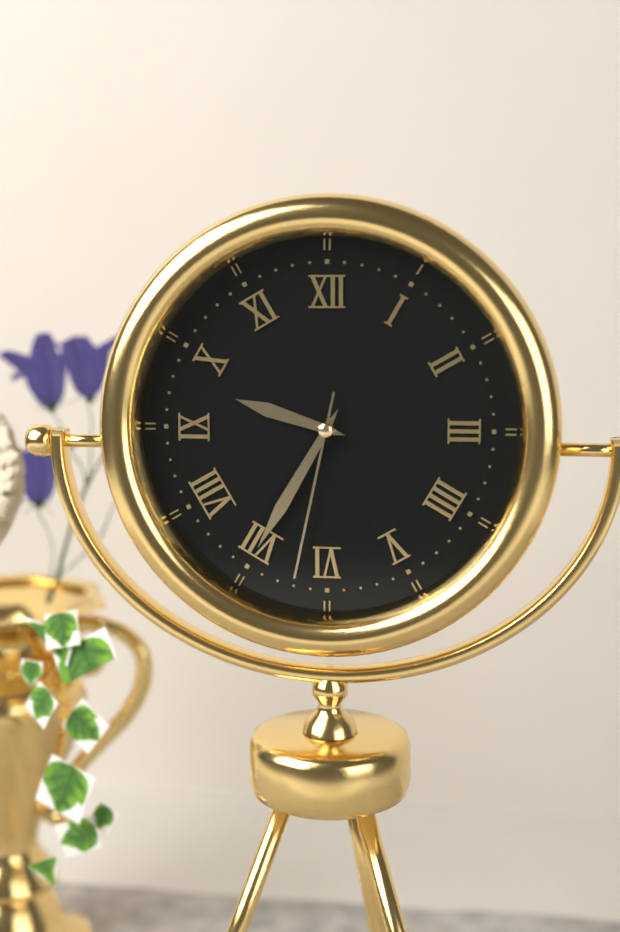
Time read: 9:35:32
